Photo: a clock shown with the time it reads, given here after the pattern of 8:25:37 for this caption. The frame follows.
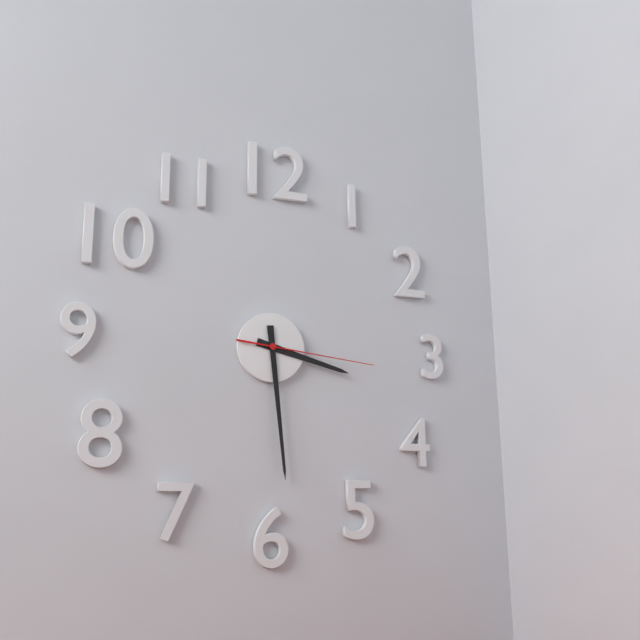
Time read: 3:29:16
